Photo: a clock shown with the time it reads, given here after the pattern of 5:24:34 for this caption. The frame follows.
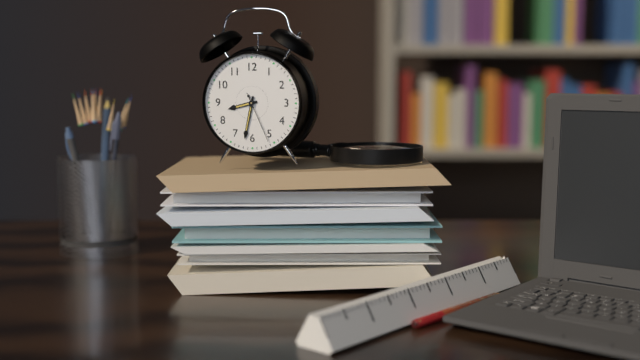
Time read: 8:32:26
